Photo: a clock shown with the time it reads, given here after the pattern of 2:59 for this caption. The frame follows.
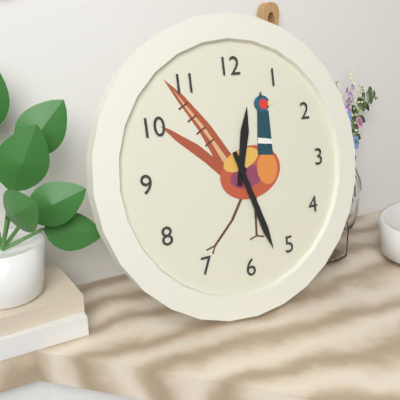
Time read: 12:27
